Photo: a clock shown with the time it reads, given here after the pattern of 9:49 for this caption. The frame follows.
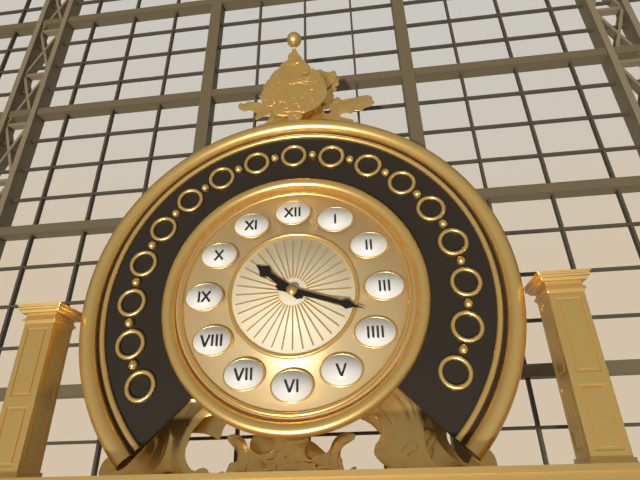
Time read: 10:18
